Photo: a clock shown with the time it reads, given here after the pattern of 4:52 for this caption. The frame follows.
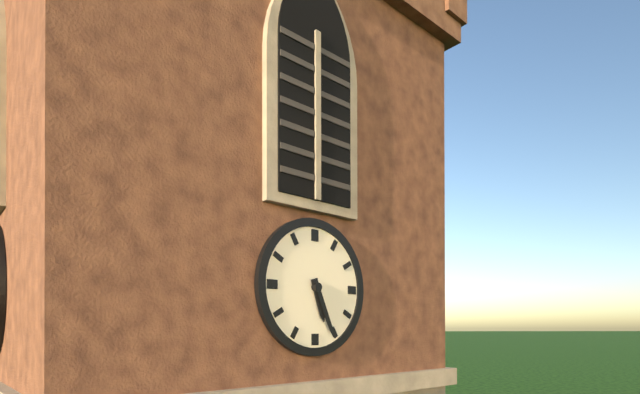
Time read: 5:26
